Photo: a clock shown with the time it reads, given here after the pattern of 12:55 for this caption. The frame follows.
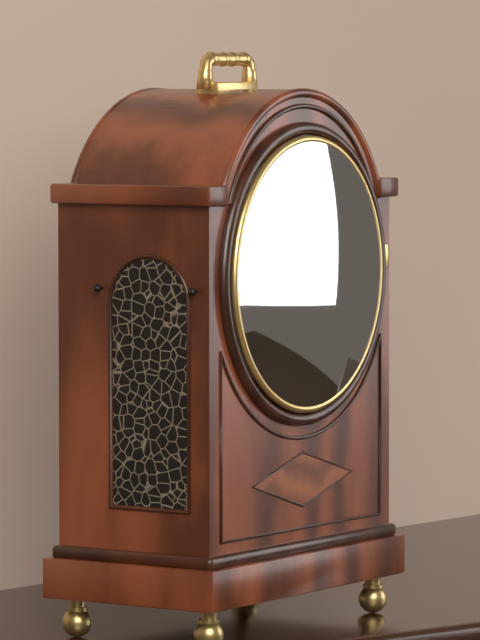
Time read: 1:58
